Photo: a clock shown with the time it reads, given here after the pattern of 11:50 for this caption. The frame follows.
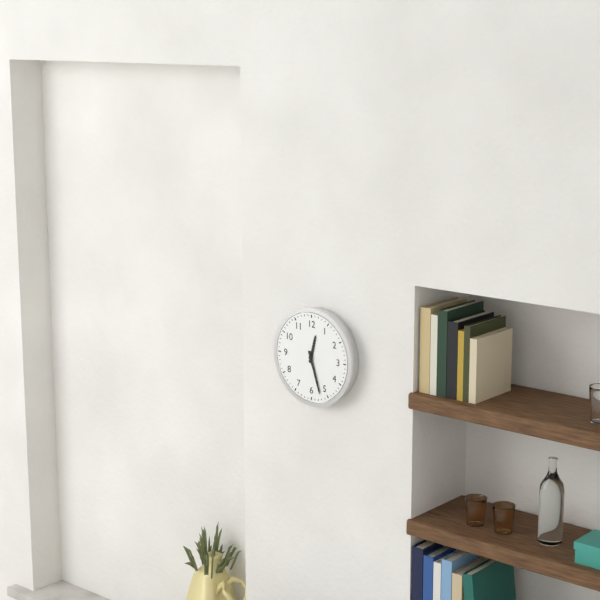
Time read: 12:27
